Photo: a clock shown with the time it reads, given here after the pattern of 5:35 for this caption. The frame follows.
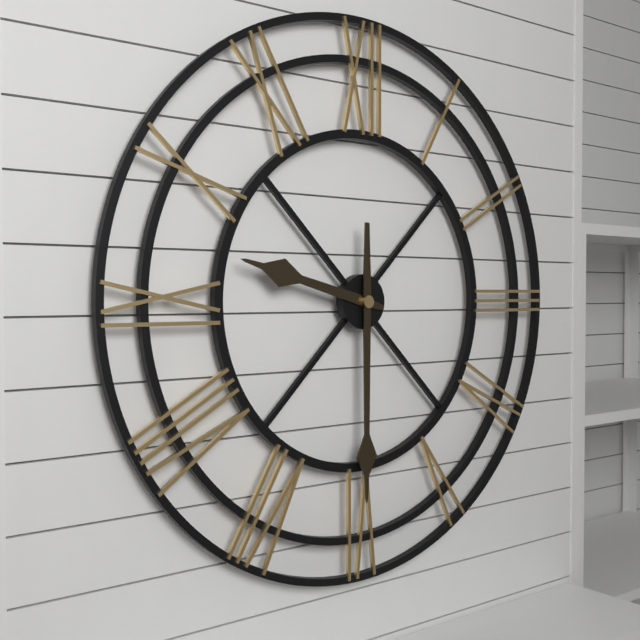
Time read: 9:30
